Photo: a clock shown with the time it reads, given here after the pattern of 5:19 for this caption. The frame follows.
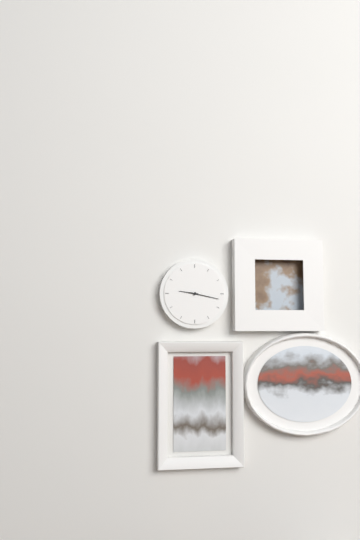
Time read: 9:17
